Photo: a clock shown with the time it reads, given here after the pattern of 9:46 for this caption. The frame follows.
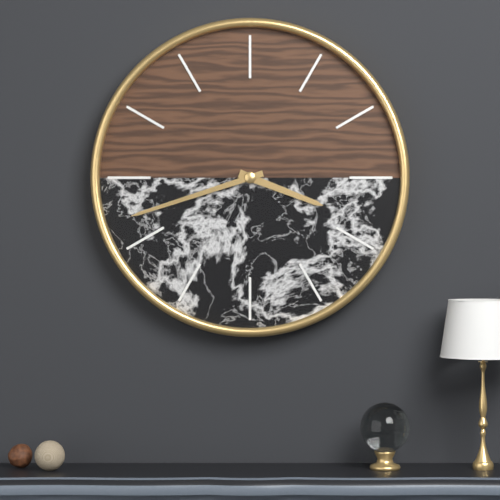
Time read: 3:42
